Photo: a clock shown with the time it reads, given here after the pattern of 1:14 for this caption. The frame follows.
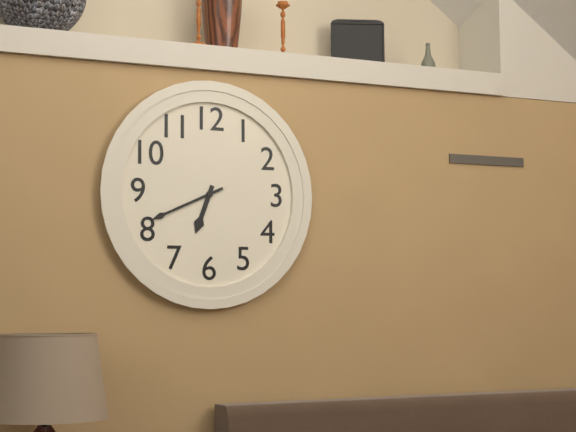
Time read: 6:41
